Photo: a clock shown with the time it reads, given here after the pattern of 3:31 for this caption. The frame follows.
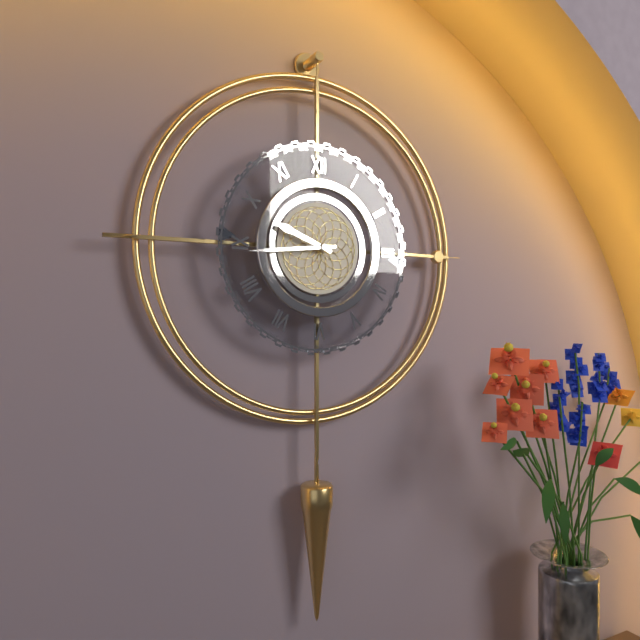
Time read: 9:44
